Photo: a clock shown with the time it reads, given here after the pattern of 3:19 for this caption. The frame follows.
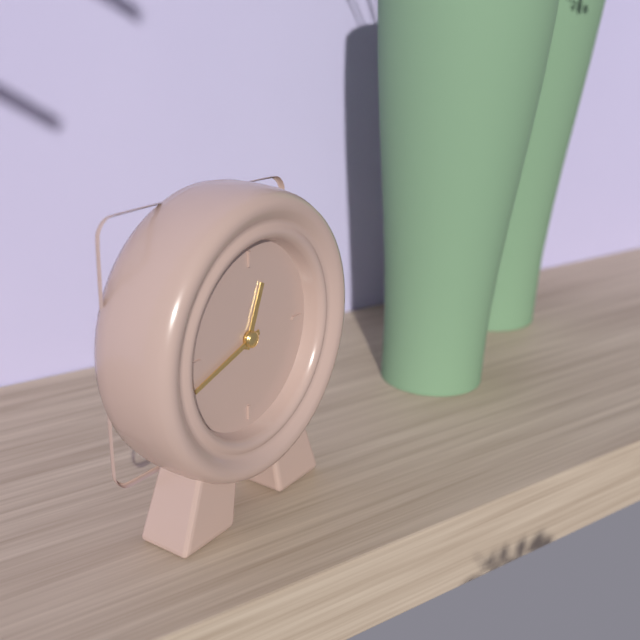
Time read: 12:42
